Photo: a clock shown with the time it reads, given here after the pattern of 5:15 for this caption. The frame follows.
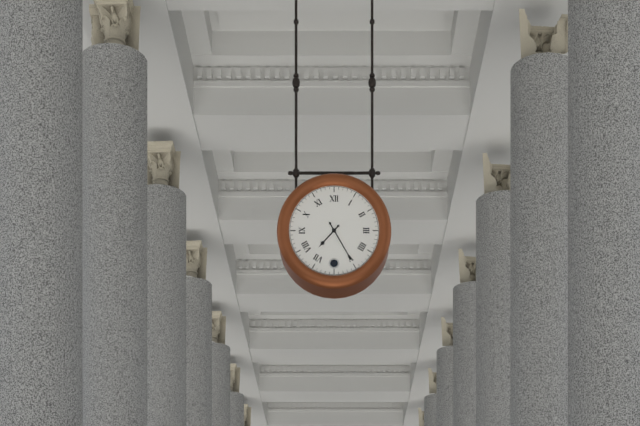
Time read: 7:25
